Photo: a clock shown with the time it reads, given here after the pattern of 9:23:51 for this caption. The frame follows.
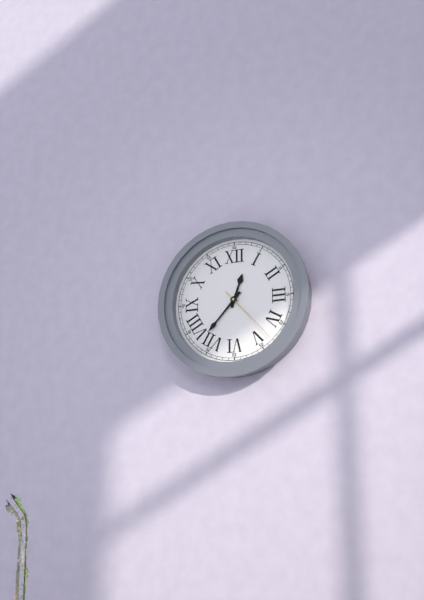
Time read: 12:37:23
